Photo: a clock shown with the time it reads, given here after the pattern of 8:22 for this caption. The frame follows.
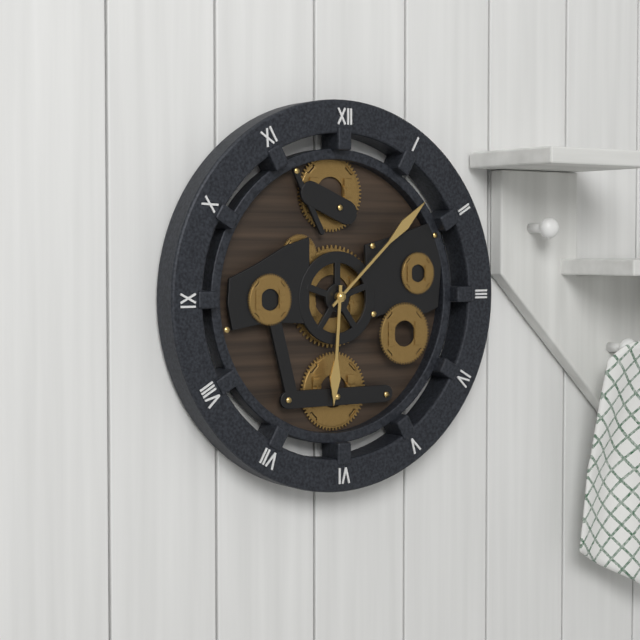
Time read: 6:08
